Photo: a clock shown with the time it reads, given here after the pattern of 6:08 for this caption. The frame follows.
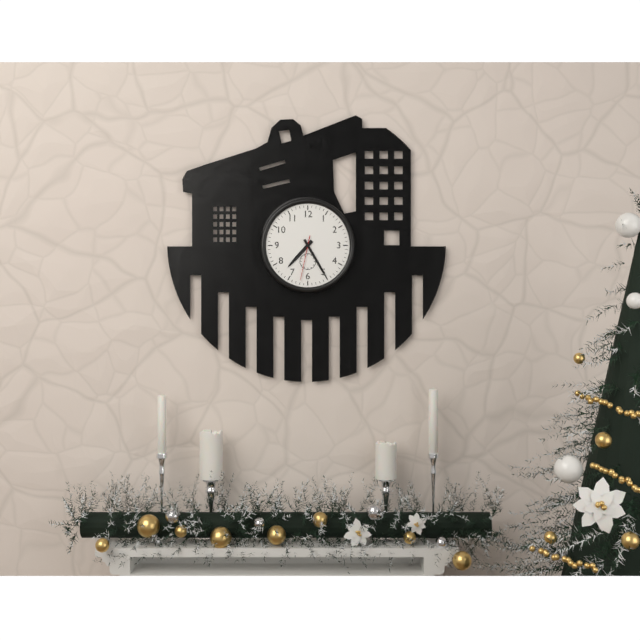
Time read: 7:25
